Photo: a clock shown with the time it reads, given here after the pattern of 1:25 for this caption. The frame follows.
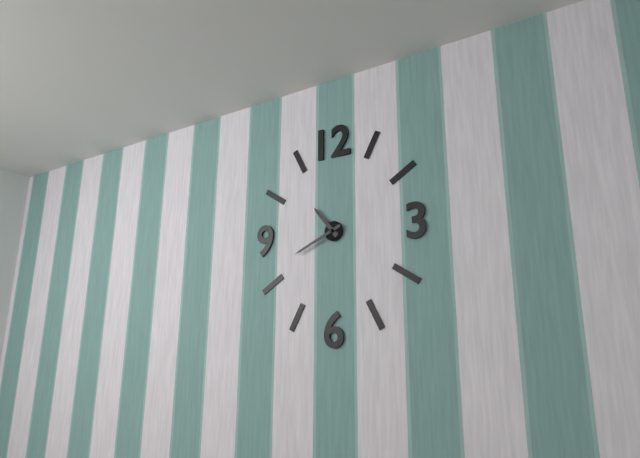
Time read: 10:41
